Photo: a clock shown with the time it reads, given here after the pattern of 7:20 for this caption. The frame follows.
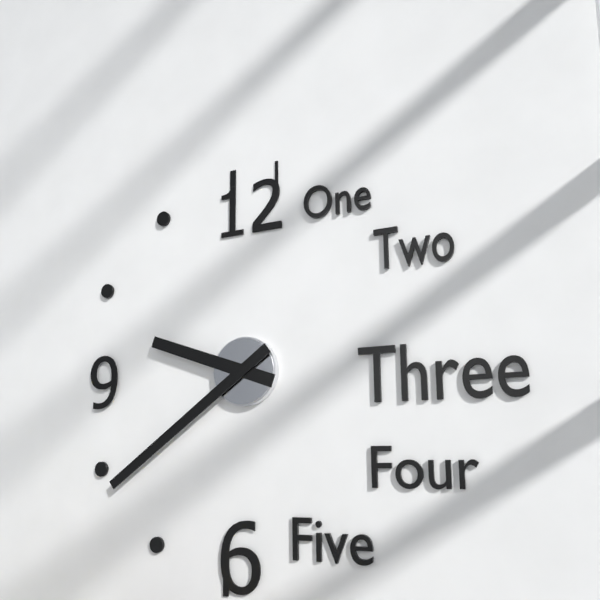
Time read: 9:39
